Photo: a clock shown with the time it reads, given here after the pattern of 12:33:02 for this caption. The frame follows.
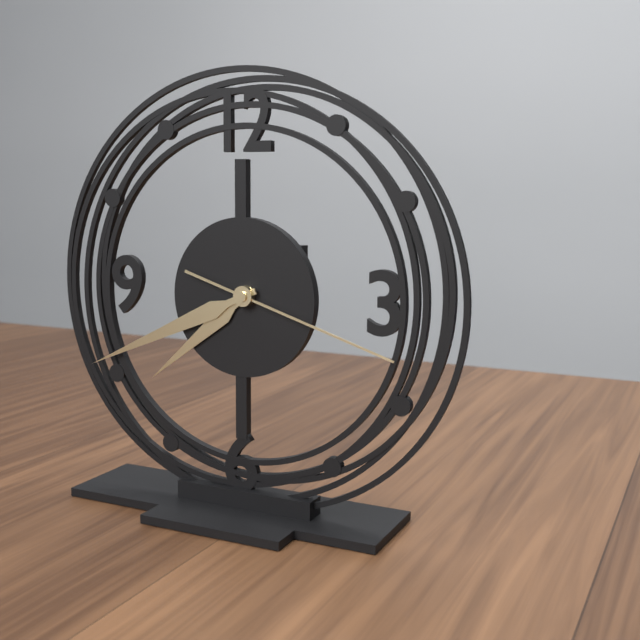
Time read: 7:41:18
